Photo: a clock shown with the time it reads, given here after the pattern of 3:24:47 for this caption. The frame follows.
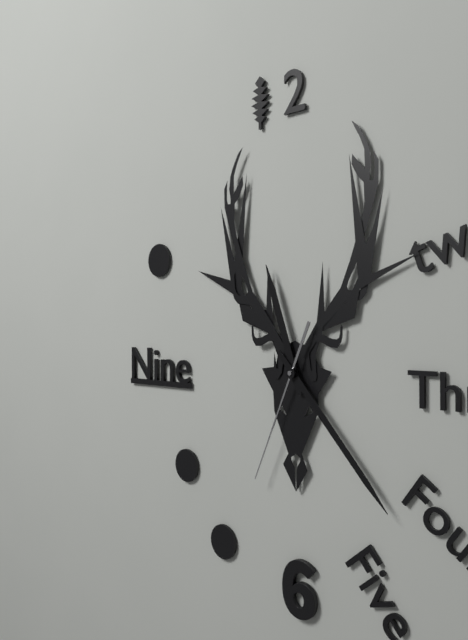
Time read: 11:23:34
